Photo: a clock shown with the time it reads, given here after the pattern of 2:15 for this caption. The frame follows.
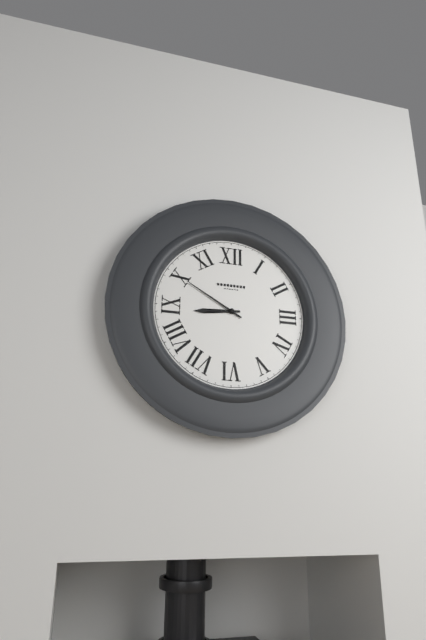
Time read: 8:50
